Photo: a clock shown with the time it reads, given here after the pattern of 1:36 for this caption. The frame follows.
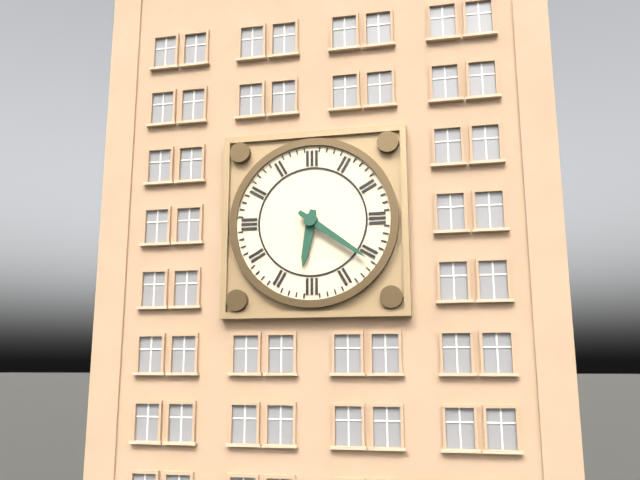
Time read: 6:21
